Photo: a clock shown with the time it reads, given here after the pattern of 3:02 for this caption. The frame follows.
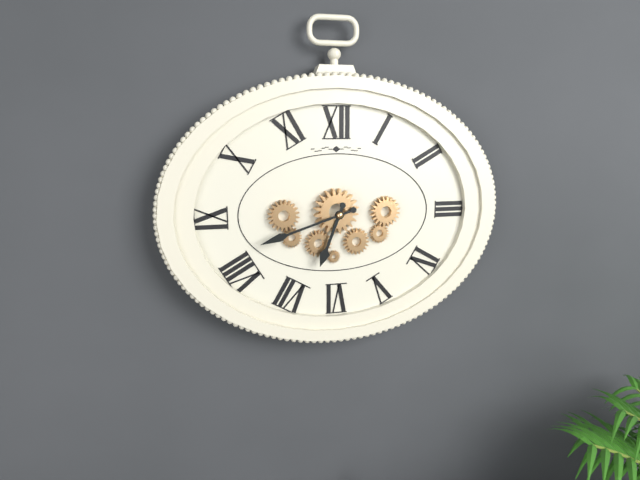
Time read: 6:42
